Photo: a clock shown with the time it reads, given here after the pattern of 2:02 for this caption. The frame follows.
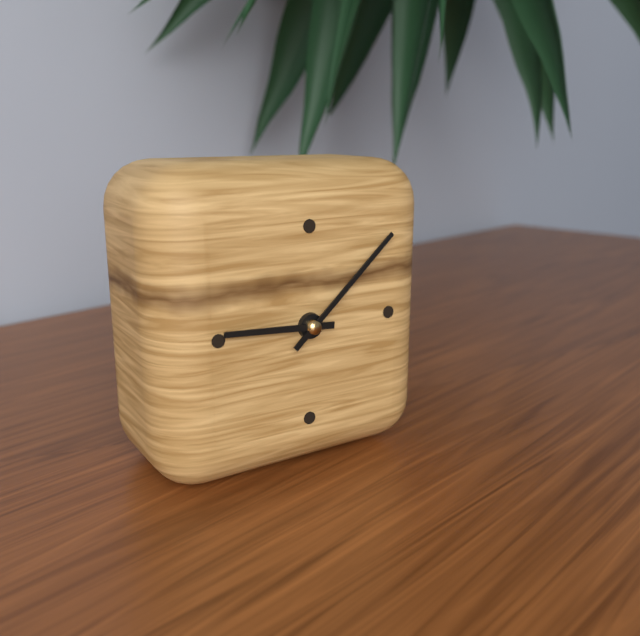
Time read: 9:08
